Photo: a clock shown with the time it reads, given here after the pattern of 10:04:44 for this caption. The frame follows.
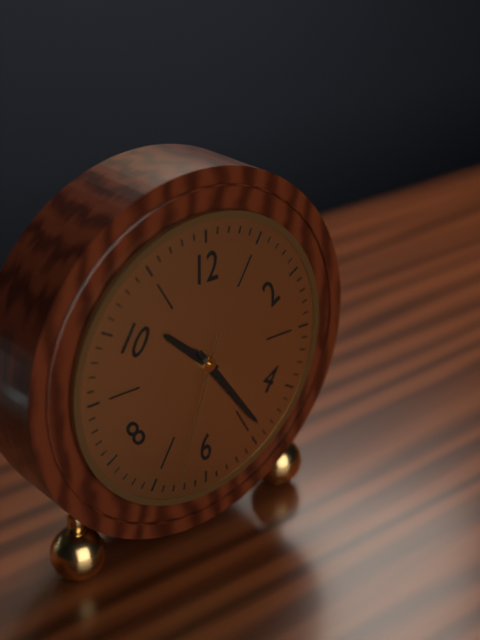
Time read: 10:24:33
